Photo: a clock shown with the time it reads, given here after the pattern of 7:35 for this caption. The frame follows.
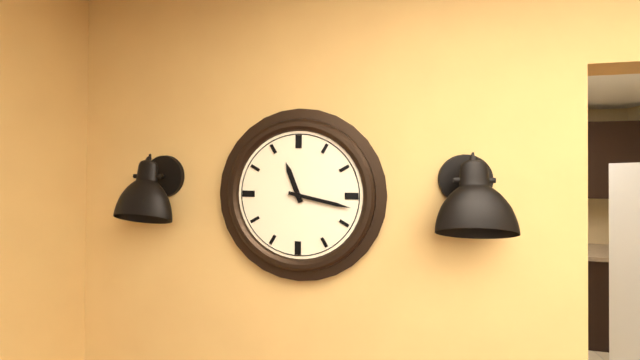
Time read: 11:17
